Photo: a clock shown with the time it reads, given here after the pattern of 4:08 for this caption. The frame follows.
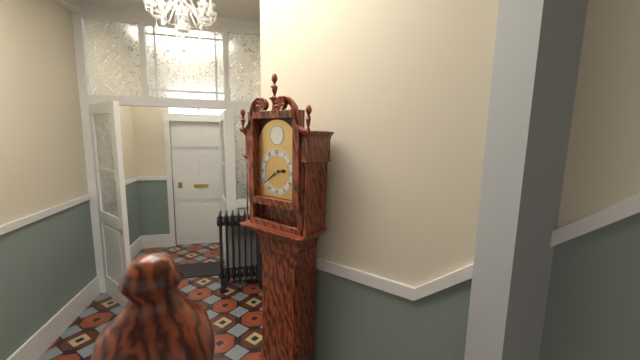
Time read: 2:39
